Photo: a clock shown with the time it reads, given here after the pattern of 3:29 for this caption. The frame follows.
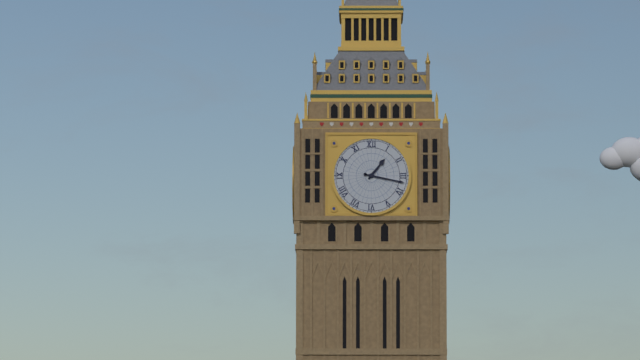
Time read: 1:17
